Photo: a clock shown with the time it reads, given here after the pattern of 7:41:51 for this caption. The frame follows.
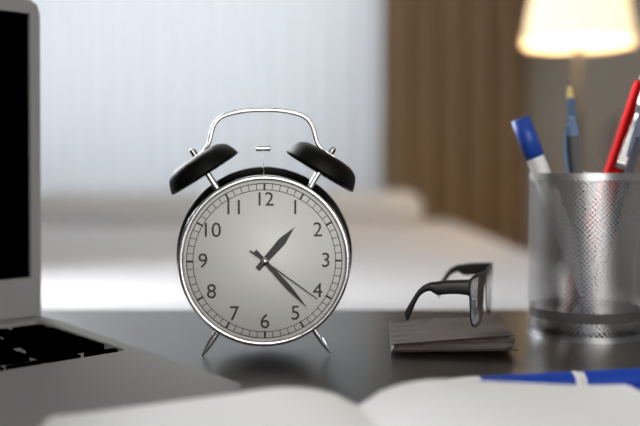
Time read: 1:23:21
